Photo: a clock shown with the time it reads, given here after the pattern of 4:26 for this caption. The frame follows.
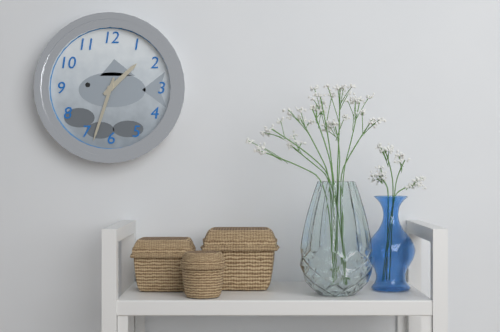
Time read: 1:33
